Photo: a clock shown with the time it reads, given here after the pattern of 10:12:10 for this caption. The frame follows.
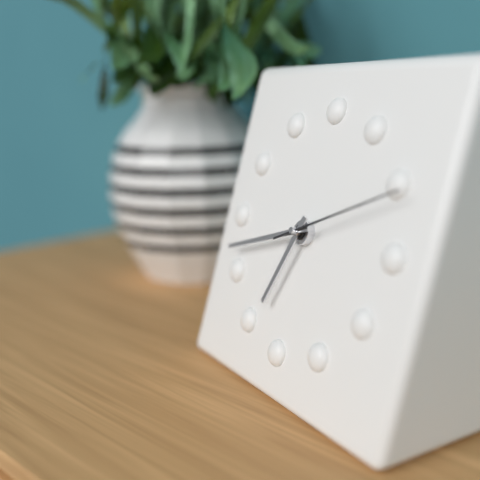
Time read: 6:42:11
